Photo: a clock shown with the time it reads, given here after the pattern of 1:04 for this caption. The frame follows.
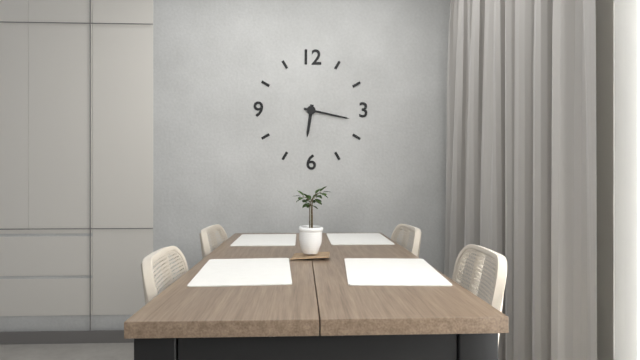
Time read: 6:17
